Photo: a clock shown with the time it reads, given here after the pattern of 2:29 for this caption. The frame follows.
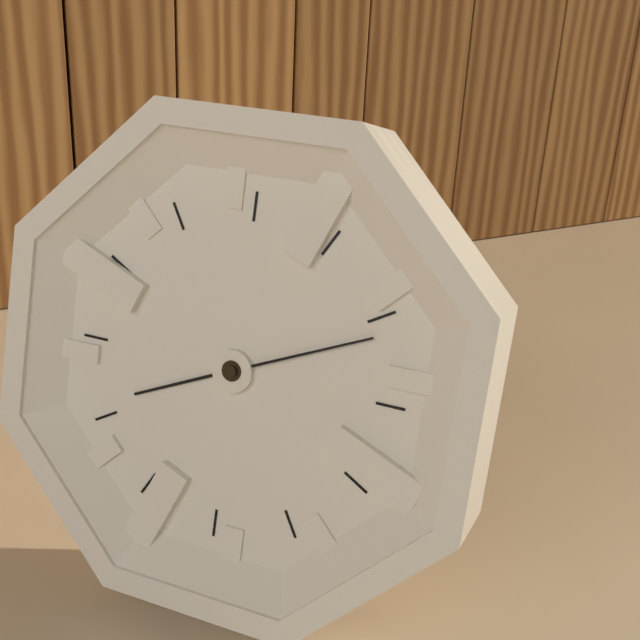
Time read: 8:11
